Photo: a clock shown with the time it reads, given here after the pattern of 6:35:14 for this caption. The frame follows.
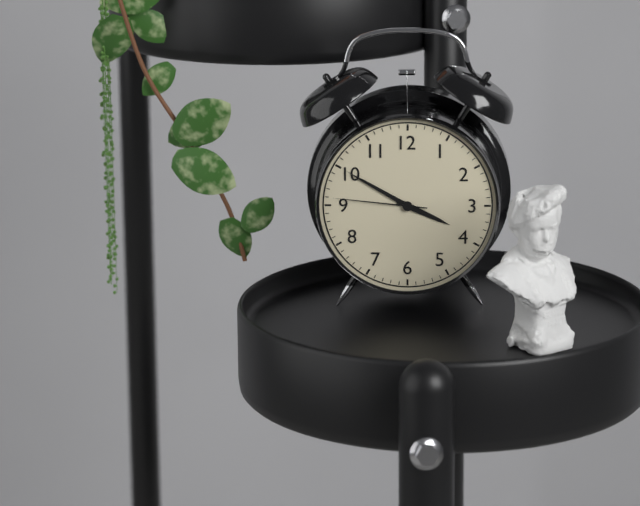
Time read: 3:50:46
